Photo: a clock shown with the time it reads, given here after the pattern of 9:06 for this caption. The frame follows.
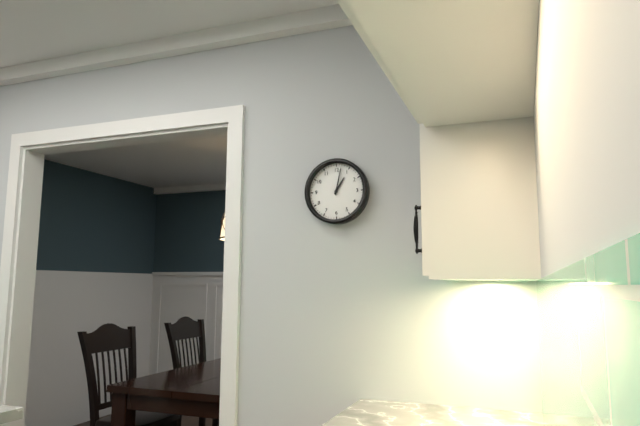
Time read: 1:02
